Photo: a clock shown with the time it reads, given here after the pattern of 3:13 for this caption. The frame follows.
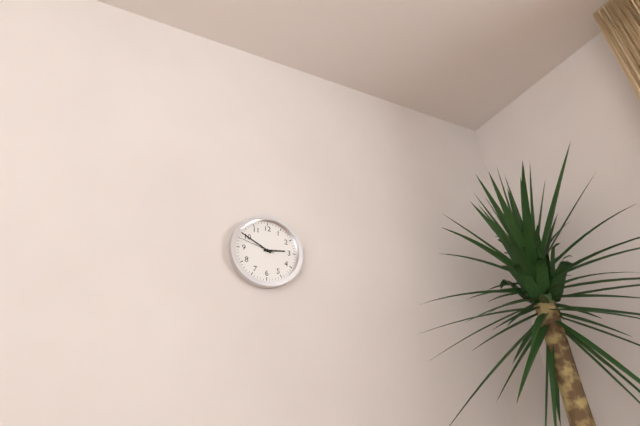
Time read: 2:50
